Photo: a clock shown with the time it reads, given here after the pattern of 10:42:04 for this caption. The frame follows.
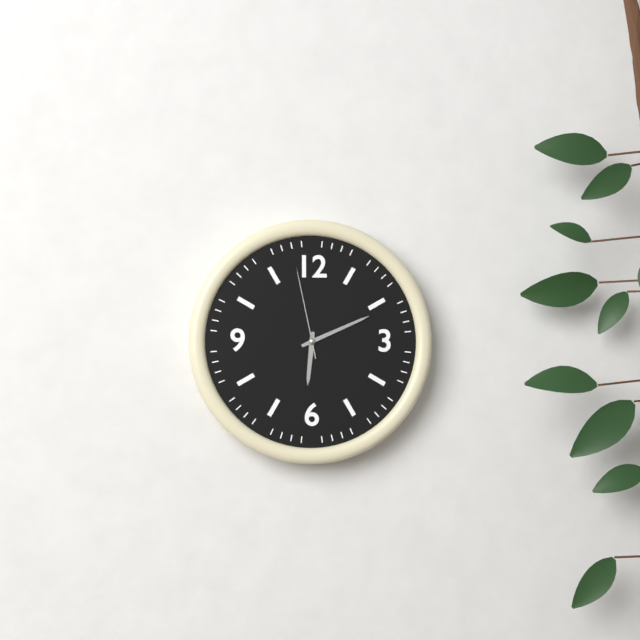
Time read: 6:11:58
